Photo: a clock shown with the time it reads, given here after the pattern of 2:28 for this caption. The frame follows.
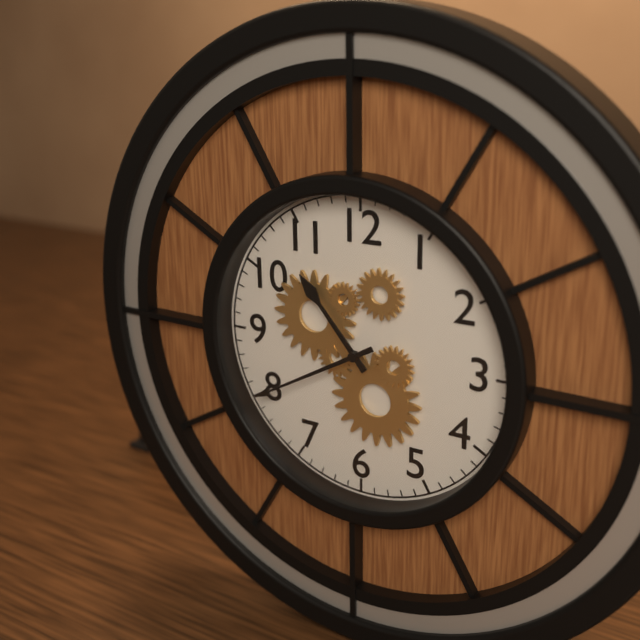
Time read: 10:40
